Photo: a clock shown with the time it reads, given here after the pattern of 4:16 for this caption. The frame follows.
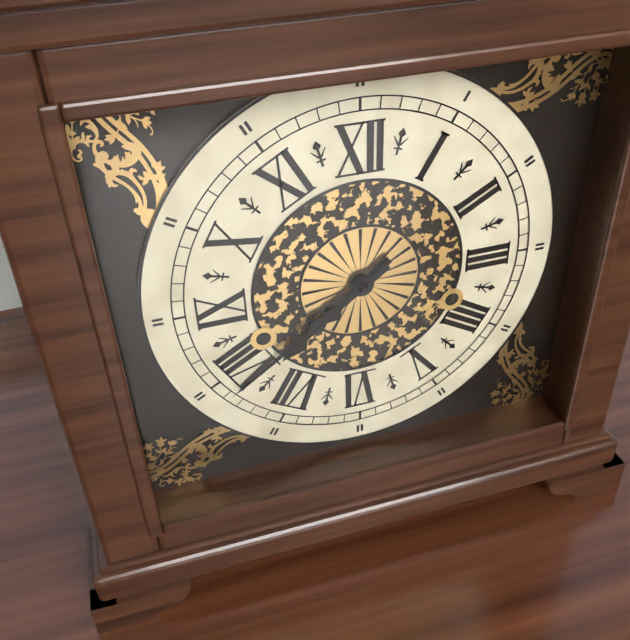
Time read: 7:39
